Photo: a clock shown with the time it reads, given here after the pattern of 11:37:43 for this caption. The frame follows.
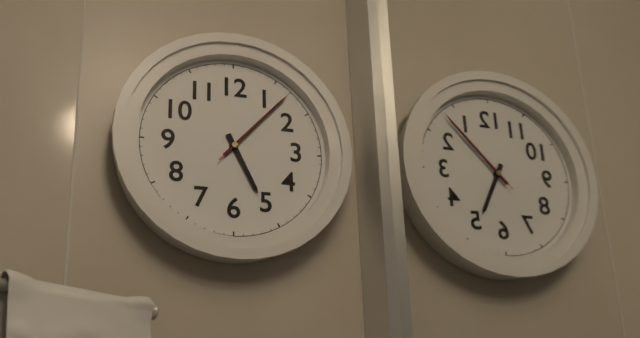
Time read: 5:07:07
